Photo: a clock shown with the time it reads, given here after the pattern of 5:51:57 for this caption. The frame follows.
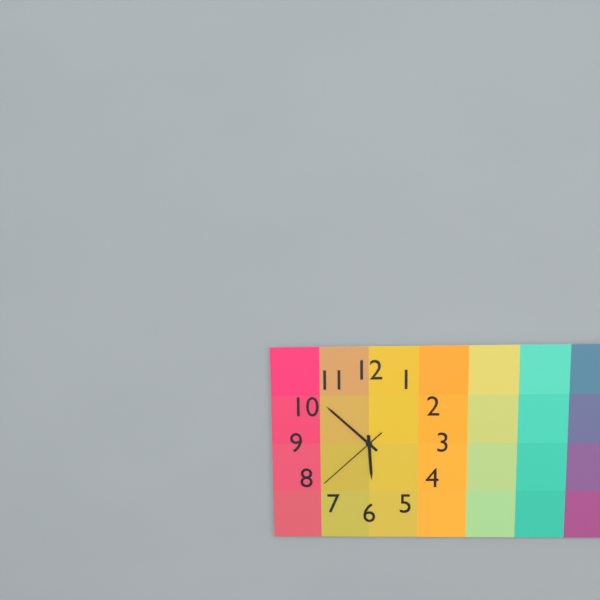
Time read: 5:52:38
